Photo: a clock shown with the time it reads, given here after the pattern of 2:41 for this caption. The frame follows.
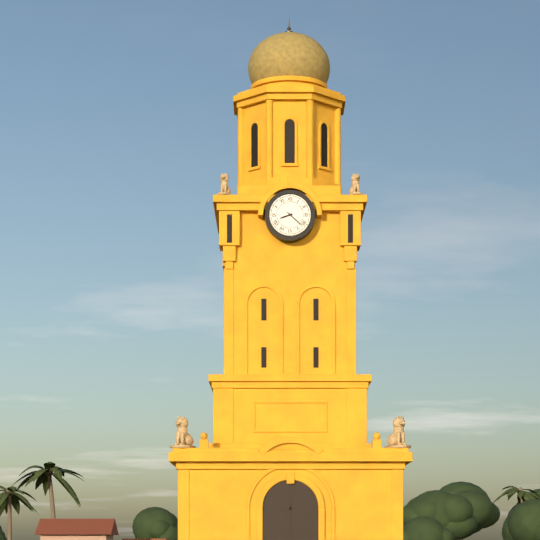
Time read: 8:22
